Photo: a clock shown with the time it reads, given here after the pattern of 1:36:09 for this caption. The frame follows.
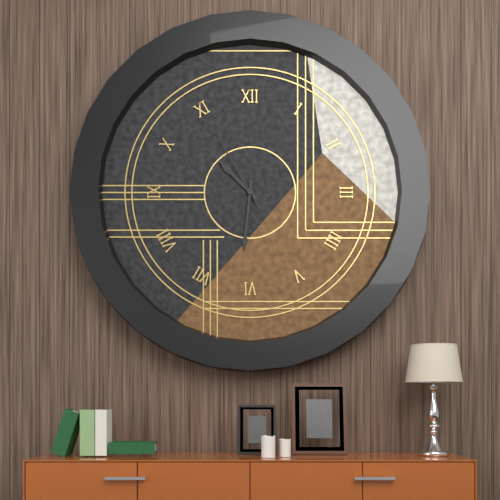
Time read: 10:31:55
